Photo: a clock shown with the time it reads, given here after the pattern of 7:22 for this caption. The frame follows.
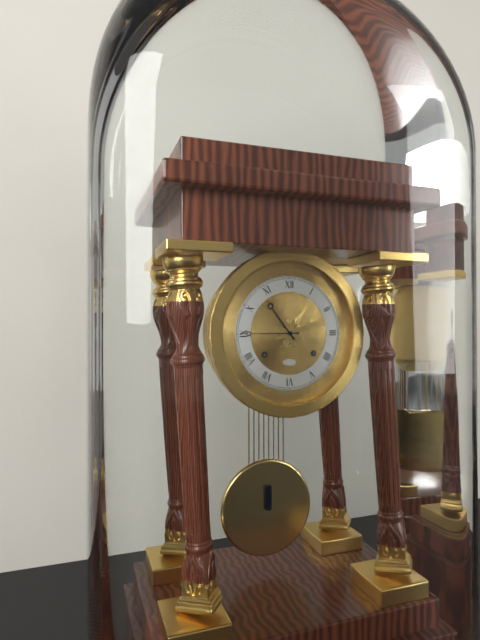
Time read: 10:45
